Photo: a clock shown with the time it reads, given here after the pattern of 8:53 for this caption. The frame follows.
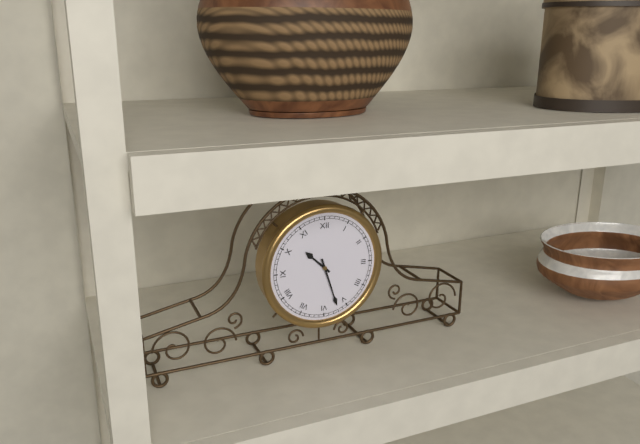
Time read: 10:27
